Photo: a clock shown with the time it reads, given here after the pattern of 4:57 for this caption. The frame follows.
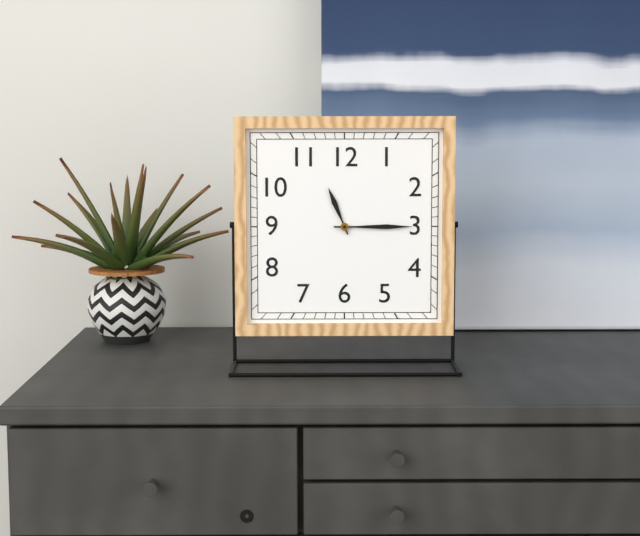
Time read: 11:15
